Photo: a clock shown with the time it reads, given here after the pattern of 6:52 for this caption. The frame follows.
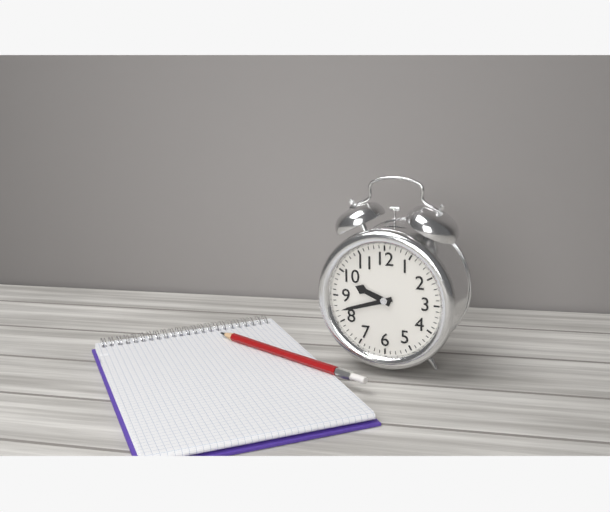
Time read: 9:42
